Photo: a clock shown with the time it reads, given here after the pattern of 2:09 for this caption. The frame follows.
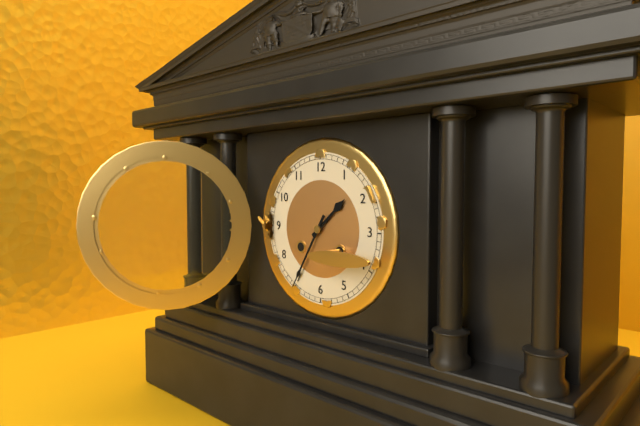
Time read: 1:35
